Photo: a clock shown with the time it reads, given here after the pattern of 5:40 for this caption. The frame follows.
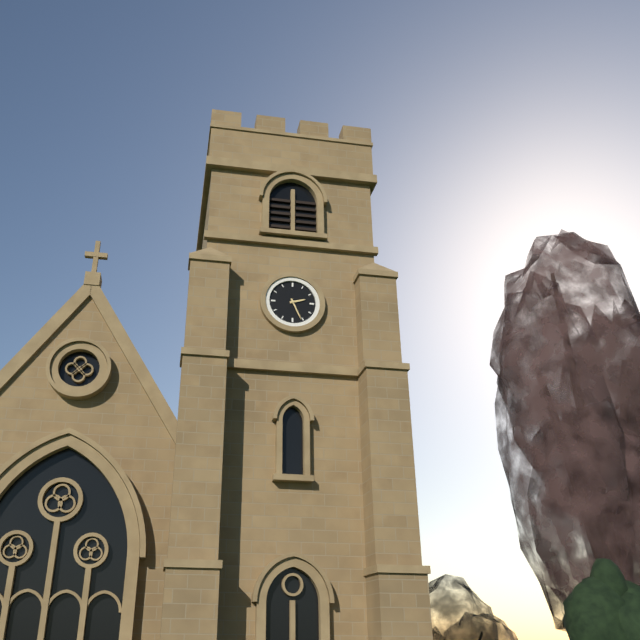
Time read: 2:26
